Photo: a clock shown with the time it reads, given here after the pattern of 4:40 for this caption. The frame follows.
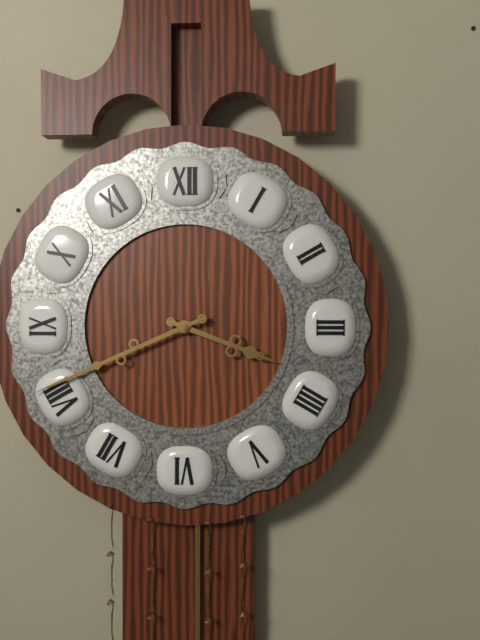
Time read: 3:41
